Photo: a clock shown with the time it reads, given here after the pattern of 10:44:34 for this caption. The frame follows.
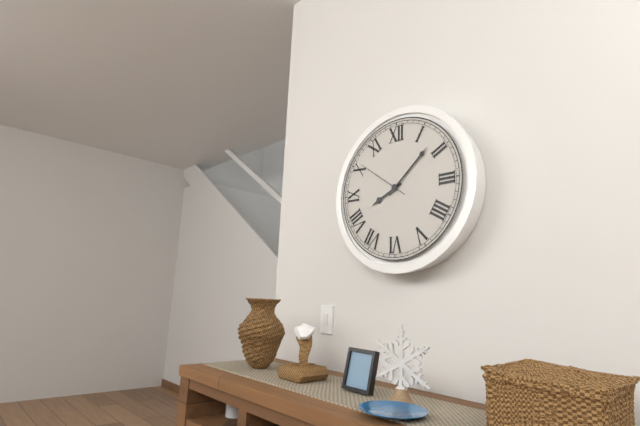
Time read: 8:08:51
